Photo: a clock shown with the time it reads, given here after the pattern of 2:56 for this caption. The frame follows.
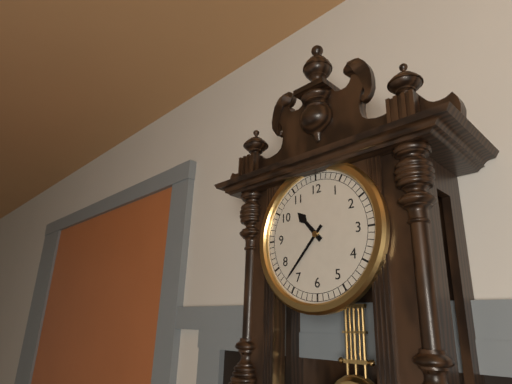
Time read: 10:37
